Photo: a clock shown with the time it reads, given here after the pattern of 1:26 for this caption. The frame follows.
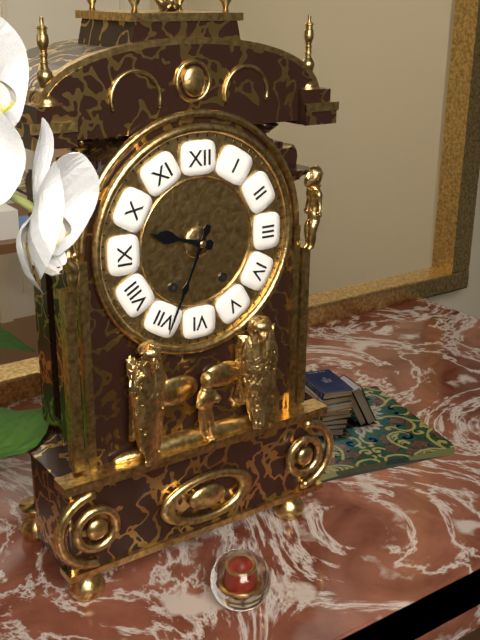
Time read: 9:34
